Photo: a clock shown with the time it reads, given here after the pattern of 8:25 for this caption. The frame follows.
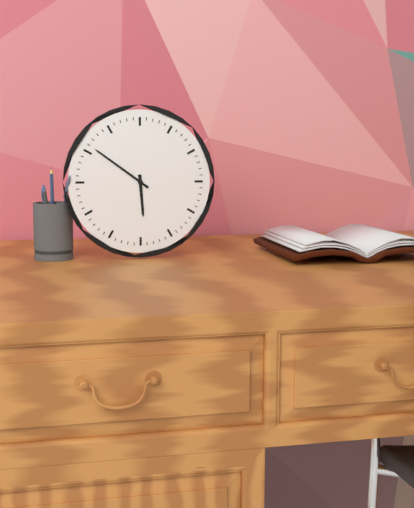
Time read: 5:51
